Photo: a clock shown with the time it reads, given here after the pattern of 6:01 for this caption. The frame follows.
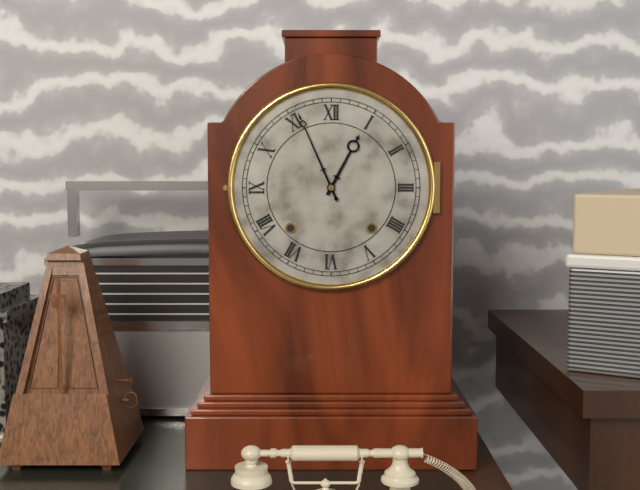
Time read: 12:56
